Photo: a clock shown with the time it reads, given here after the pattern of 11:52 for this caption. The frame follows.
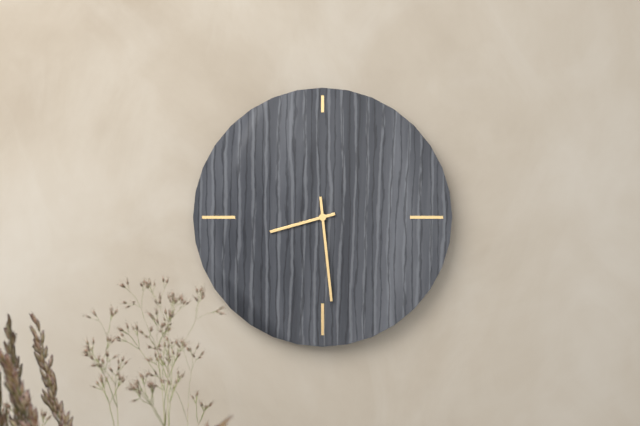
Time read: 8:29
